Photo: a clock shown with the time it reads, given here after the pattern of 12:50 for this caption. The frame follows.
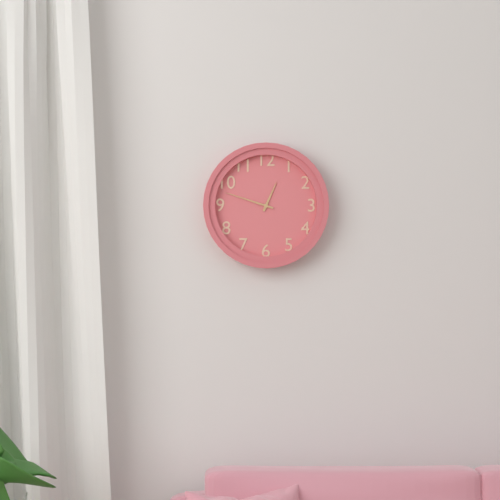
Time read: 12:48
